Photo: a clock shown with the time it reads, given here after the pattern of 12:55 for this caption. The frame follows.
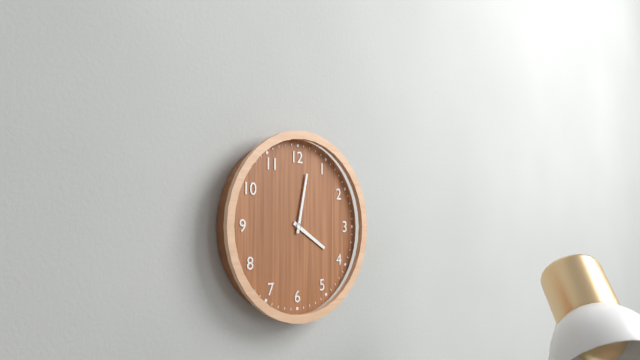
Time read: 4:02
